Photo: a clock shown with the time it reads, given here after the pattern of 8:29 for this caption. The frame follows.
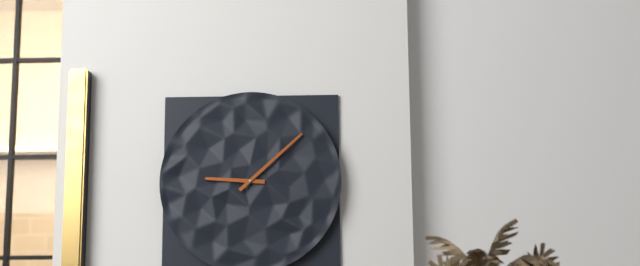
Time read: 9:08
